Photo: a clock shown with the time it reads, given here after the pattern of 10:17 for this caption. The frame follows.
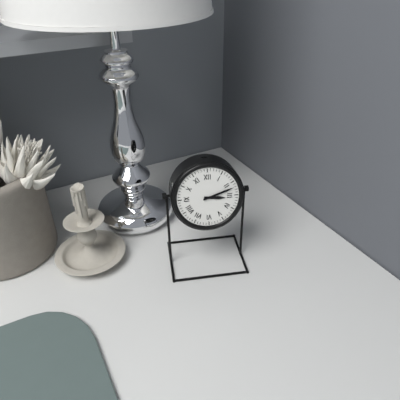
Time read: 3:12
